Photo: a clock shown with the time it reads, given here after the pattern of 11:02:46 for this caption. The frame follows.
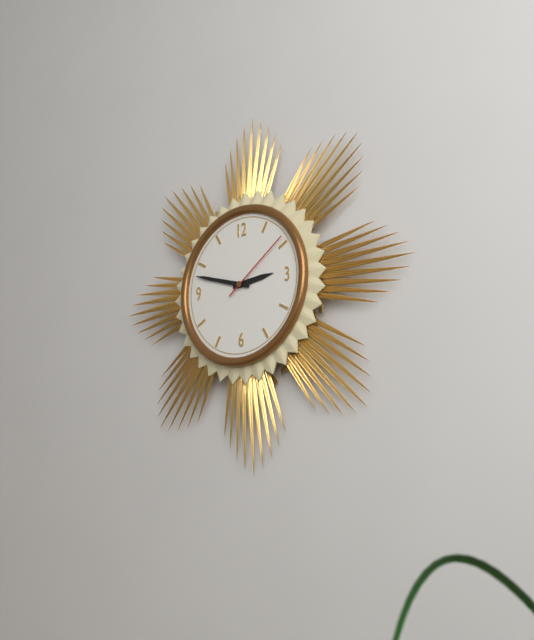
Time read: 2:48:09
